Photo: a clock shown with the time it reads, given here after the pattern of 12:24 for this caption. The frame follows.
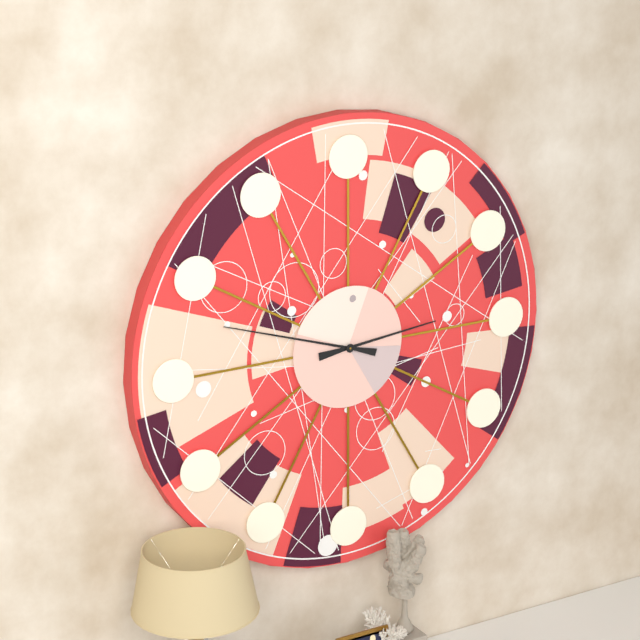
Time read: 2:48
